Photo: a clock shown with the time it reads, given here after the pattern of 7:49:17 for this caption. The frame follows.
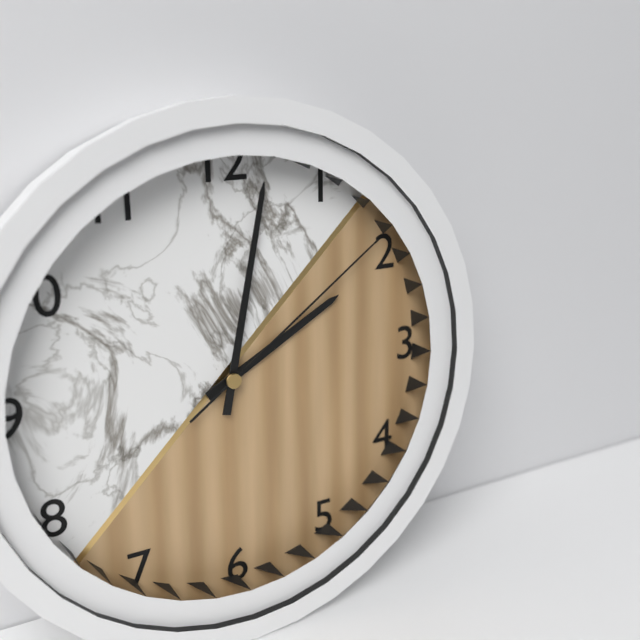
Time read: 2:02:09
